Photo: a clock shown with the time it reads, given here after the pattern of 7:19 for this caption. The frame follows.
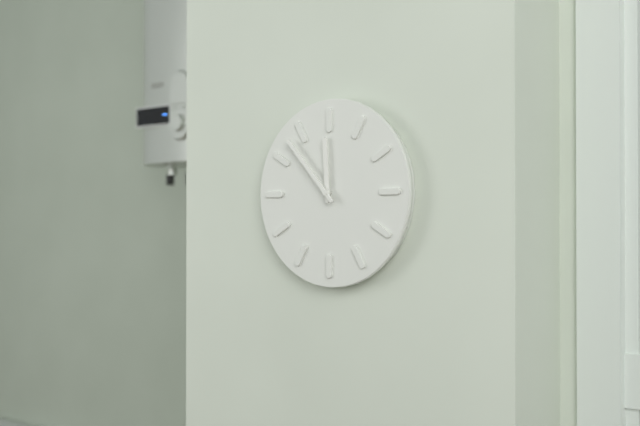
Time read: 11:53
